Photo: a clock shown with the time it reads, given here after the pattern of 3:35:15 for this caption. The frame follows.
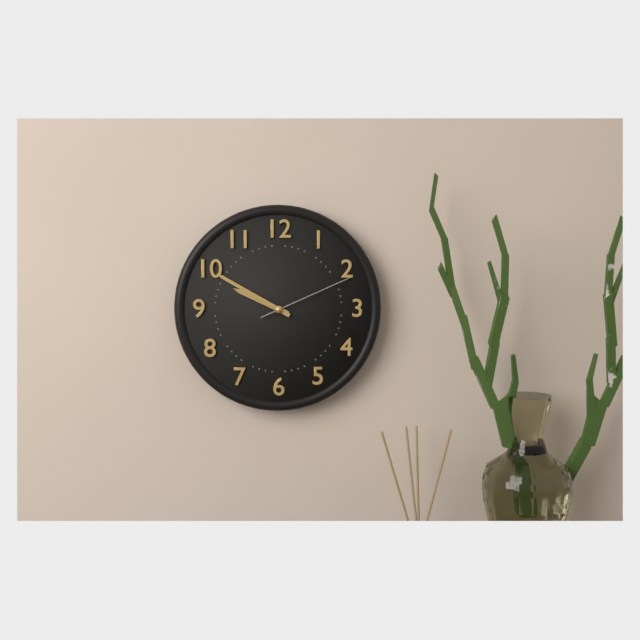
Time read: 9:50:11
